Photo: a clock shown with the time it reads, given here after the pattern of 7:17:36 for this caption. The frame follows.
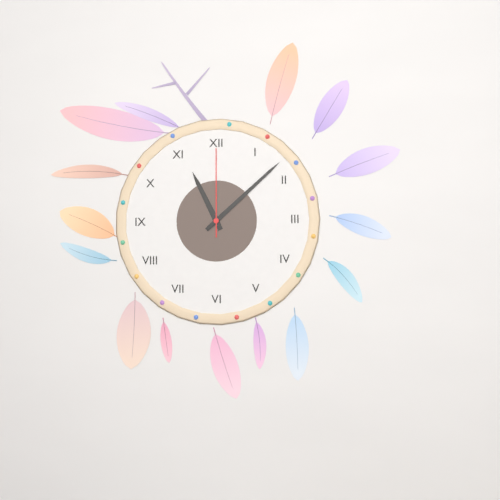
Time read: 11:08:00
